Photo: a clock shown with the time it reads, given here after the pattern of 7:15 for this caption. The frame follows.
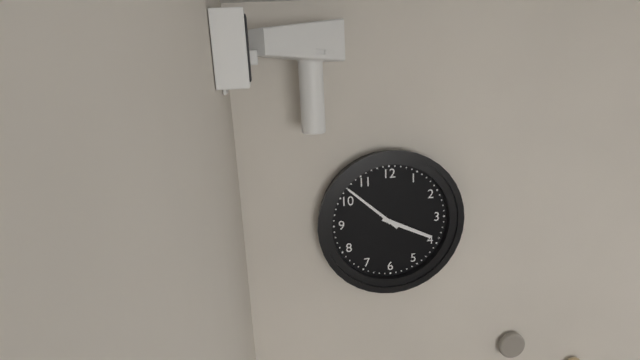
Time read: 3:52
